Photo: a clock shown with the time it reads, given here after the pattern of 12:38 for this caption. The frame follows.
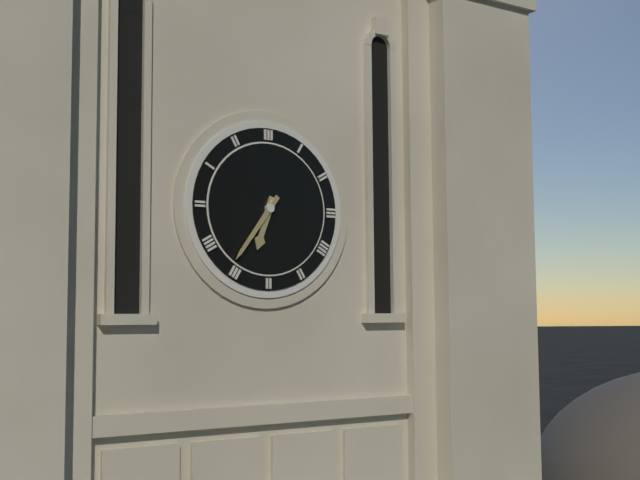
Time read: 6:36
